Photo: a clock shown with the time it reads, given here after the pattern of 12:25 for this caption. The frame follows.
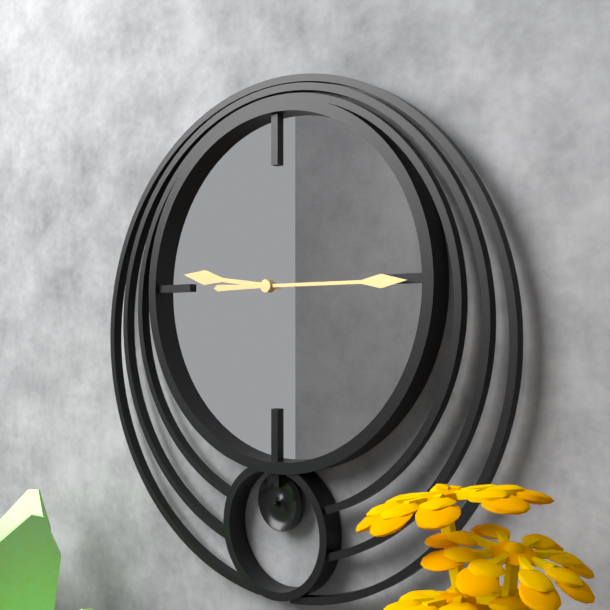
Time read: 9:15
